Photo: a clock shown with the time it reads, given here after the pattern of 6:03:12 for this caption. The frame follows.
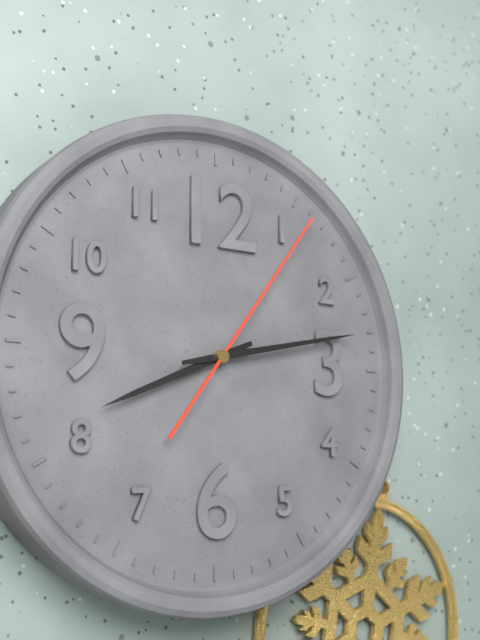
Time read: 8:13:06
